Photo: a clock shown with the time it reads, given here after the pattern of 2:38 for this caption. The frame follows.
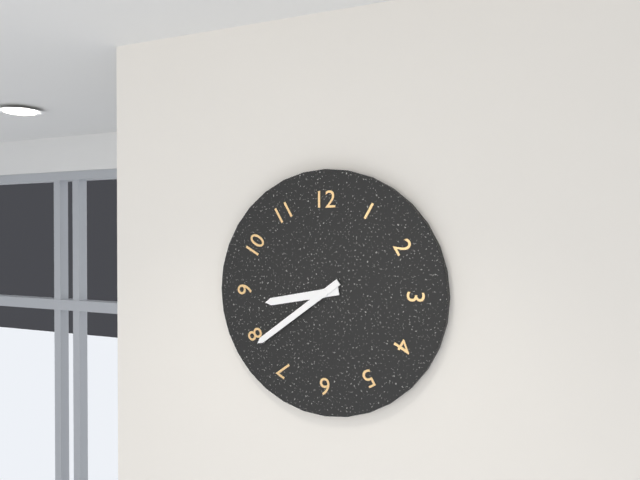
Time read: 8:39
